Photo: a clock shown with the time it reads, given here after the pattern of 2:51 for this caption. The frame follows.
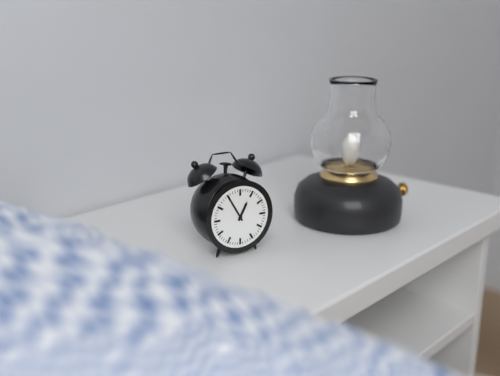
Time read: 12:55
